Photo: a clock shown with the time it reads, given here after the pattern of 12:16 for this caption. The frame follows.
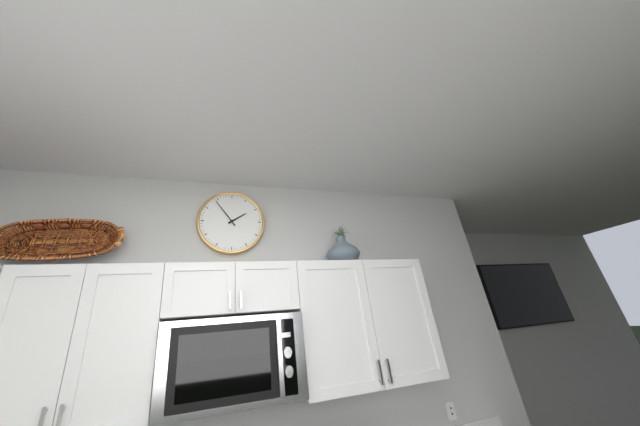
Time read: 1:54
